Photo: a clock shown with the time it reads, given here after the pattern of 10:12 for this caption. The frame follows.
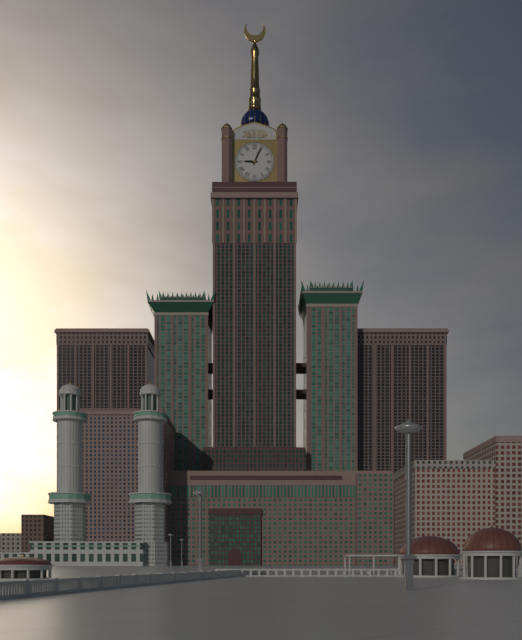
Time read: 9:04
